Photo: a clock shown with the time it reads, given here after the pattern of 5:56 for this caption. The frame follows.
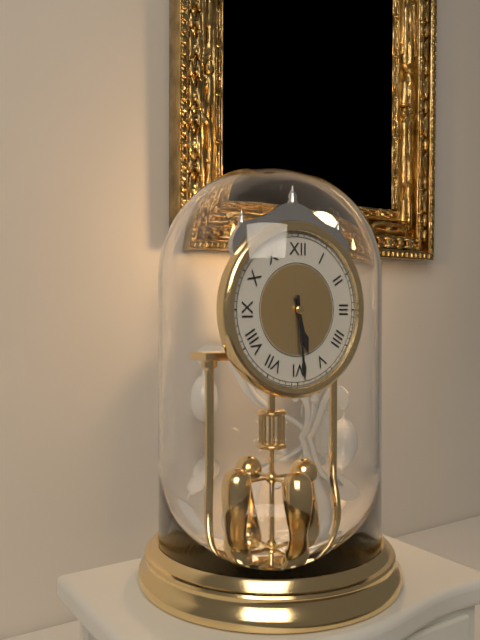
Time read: 5:29
